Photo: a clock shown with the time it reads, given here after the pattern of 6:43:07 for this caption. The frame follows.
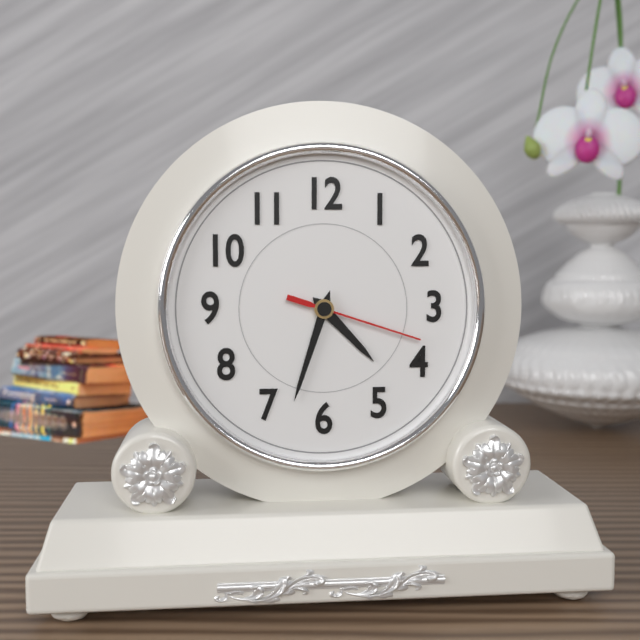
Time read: 4:33:18
